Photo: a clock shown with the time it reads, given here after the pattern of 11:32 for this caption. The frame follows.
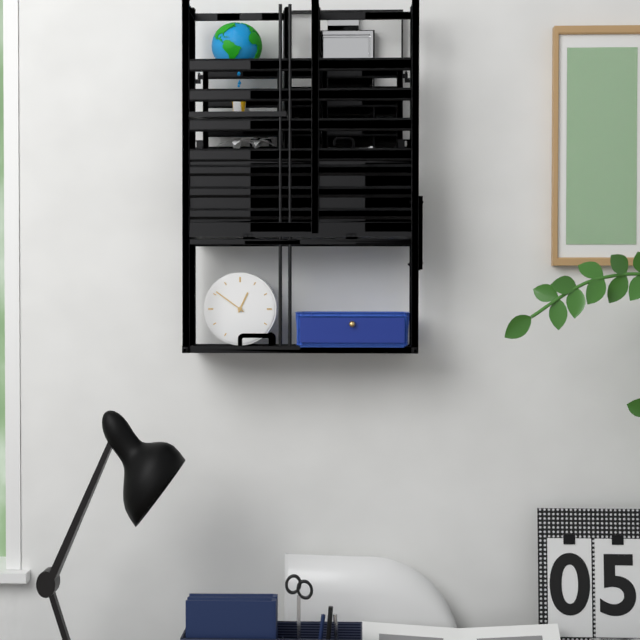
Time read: 12:51
